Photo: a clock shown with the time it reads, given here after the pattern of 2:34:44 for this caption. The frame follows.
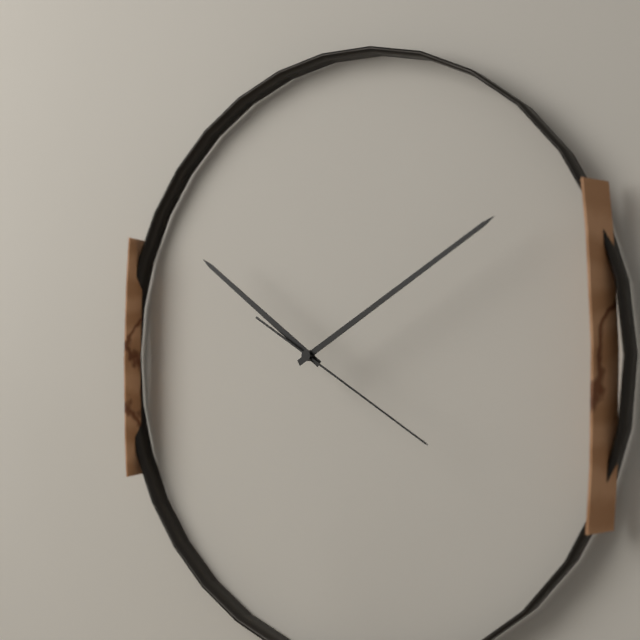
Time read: 10:10:20
